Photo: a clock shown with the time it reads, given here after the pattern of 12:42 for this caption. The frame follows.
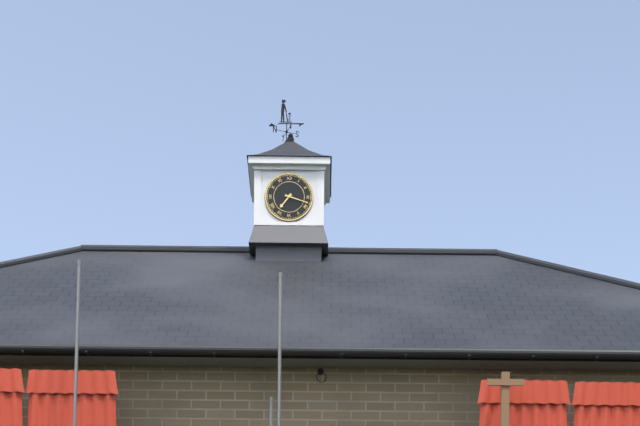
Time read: 7:18
